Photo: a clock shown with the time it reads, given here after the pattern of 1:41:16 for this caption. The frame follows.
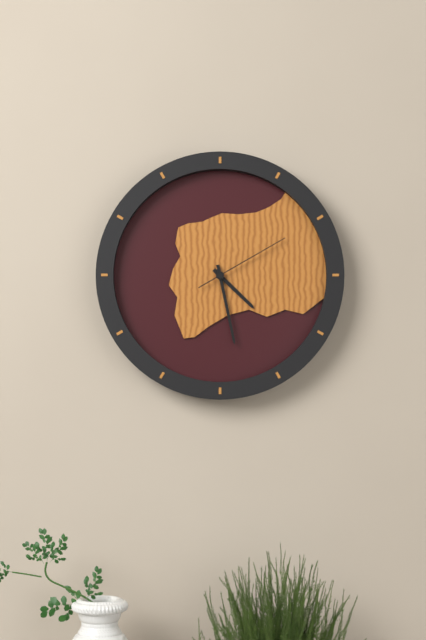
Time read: 4:28:10
